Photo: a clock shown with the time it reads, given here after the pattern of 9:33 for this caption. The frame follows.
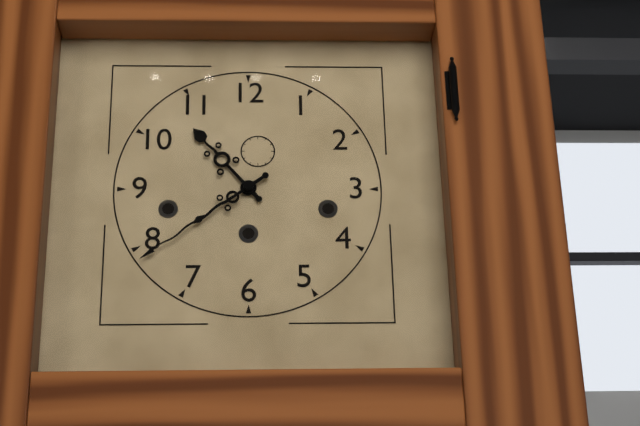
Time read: 10:39
